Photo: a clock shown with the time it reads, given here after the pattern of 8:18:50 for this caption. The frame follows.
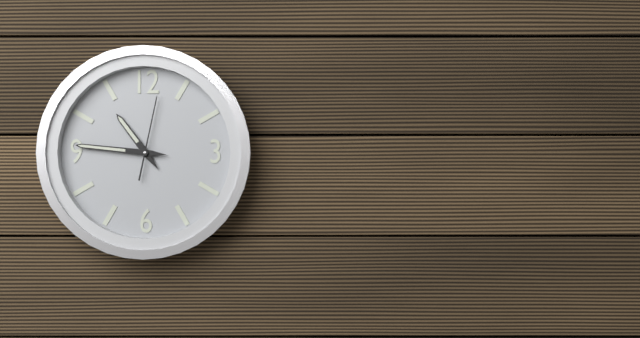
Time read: 10:46:02
